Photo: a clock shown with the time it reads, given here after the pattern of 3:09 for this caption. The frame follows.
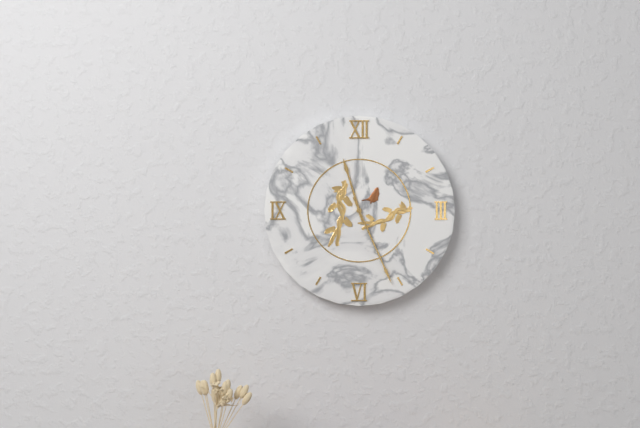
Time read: 11:26
